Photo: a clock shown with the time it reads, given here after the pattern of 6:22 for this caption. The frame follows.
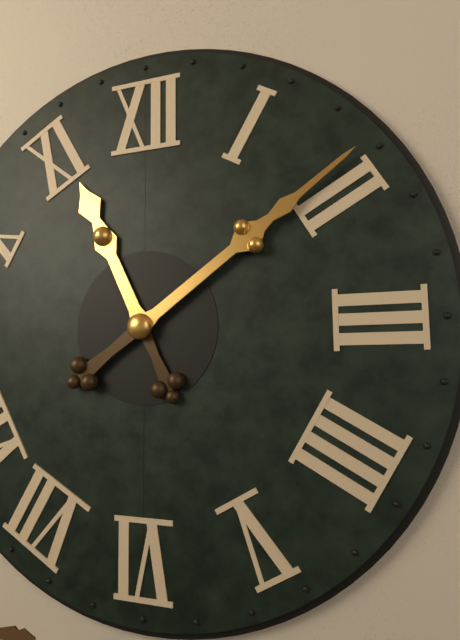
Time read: 11:09
